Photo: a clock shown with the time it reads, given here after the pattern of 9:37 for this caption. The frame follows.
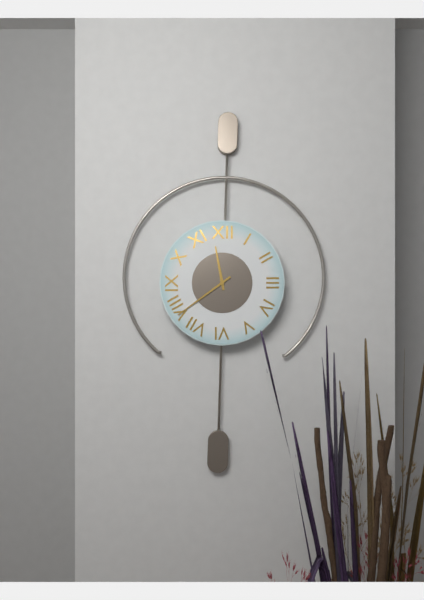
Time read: 11:39
